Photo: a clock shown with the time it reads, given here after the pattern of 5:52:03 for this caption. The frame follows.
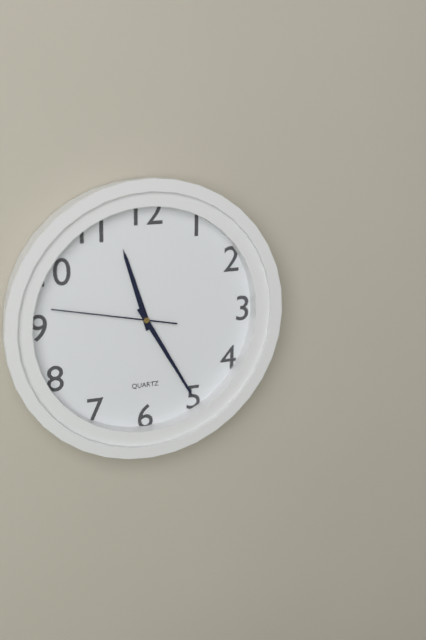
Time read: 11:25:47
